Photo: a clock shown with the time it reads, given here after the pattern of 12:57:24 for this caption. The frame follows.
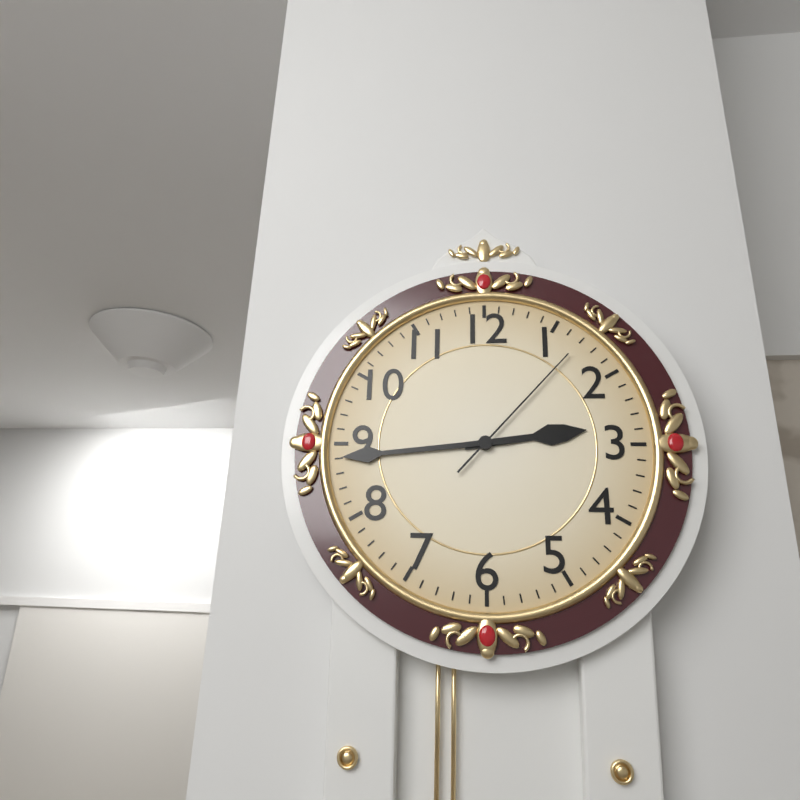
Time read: 2:44:07
